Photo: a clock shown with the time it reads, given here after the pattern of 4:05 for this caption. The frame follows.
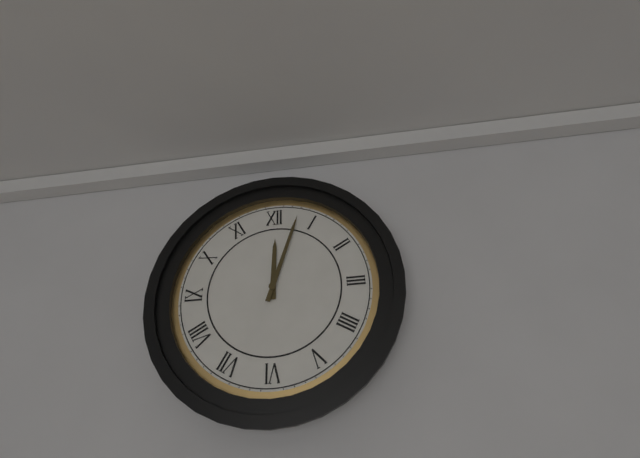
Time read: 12:03
